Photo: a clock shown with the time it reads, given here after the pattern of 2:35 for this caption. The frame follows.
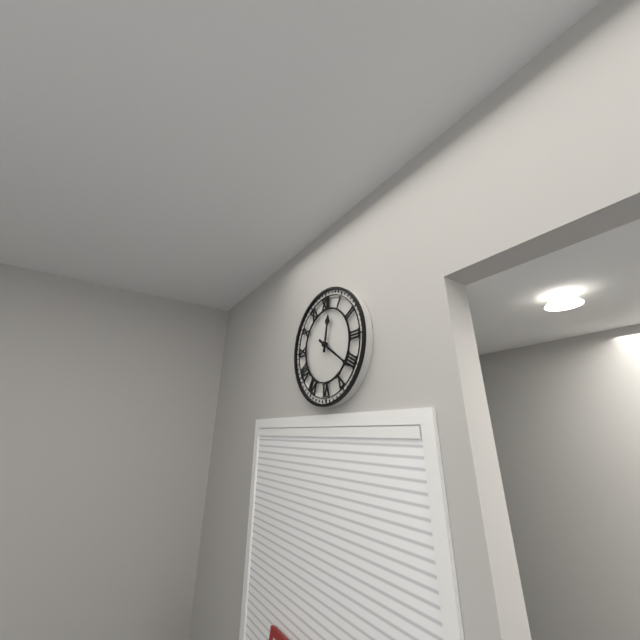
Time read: 12:21
